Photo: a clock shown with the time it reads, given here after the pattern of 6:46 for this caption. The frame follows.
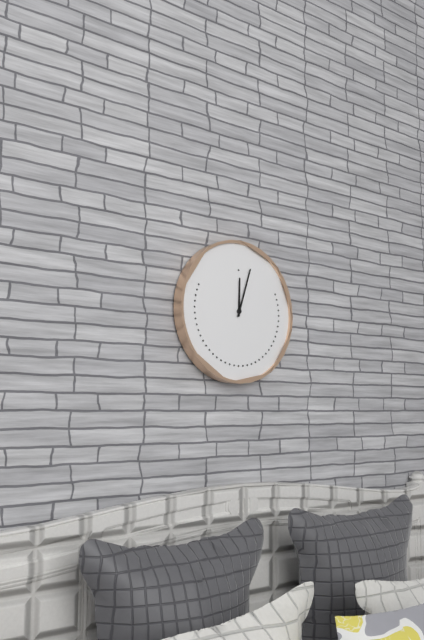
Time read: 12:03
